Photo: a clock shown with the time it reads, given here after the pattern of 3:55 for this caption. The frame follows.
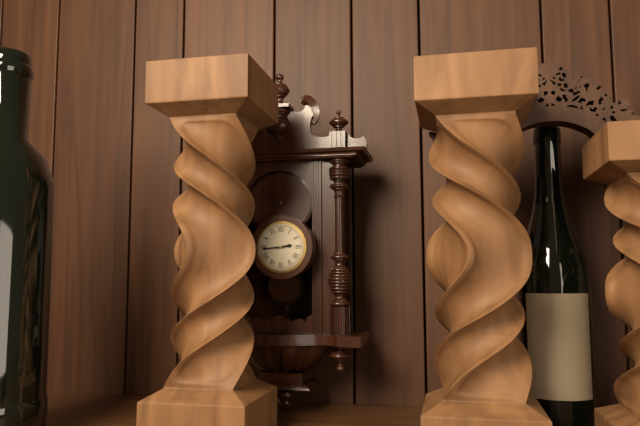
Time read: 2:44
